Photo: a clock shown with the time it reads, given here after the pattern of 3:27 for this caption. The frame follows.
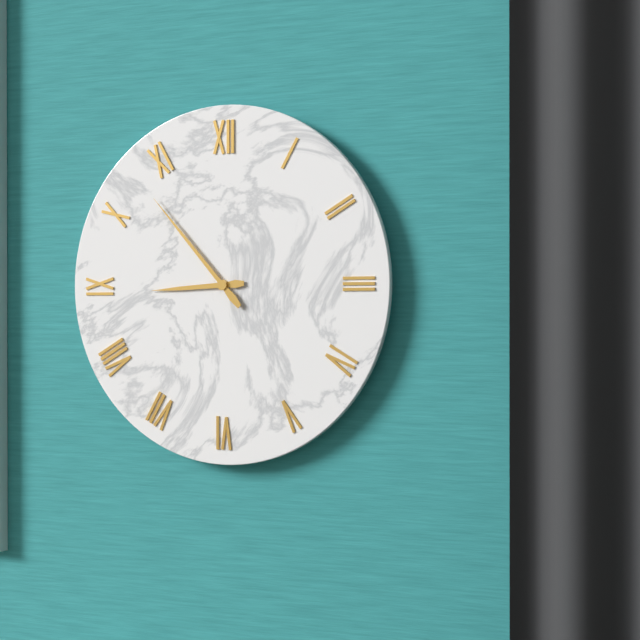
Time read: 8:53
